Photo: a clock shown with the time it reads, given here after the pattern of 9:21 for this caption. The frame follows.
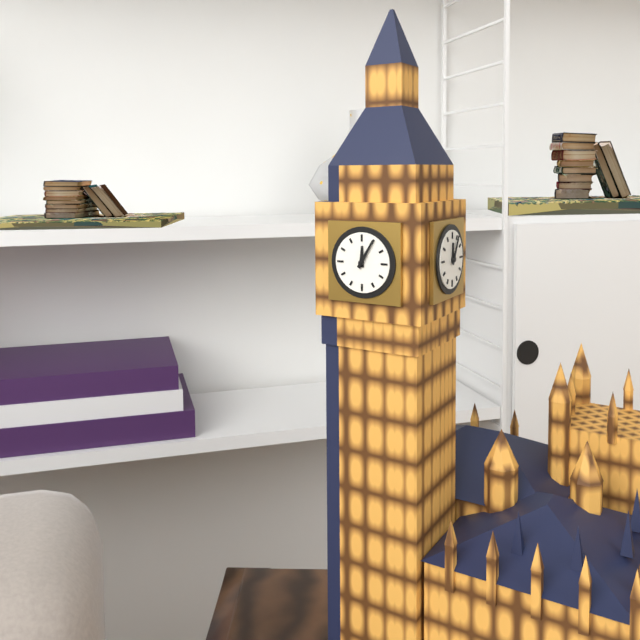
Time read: 12:05
